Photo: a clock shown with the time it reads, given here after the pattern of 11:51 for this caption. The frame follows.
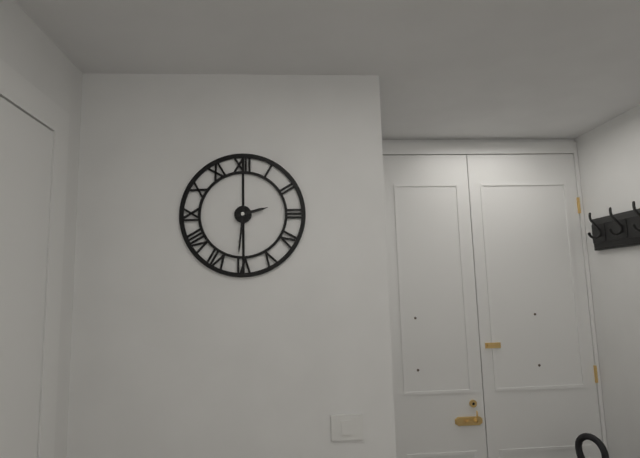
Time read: 2:31
